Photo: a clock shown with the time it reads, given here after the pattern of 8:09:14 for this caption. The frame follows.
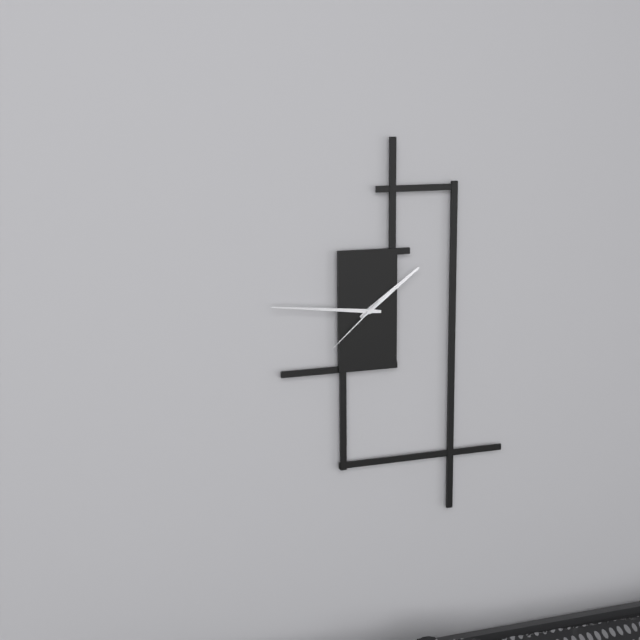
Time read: 1:46:38
